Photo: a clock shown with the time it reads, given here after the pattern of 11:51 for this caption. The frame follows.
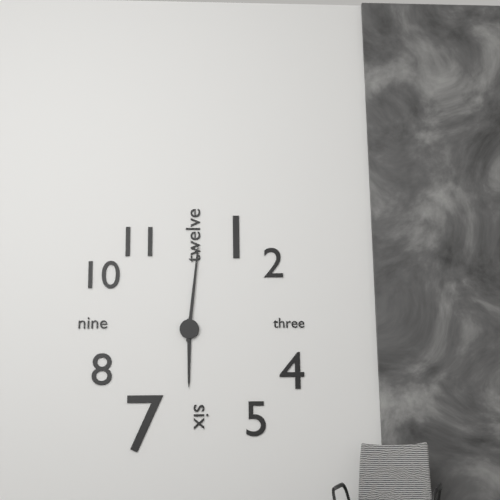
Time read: 6:01
